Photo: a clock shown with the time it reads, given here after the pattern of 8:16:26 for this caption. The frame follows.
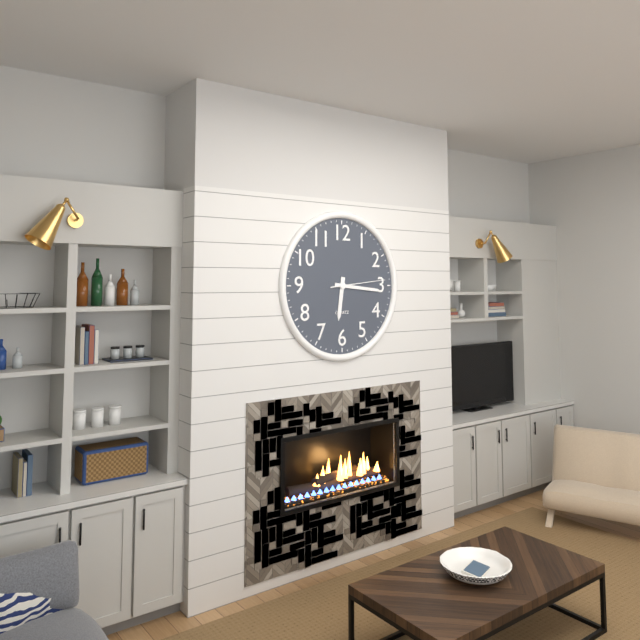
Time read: 6:16:14
